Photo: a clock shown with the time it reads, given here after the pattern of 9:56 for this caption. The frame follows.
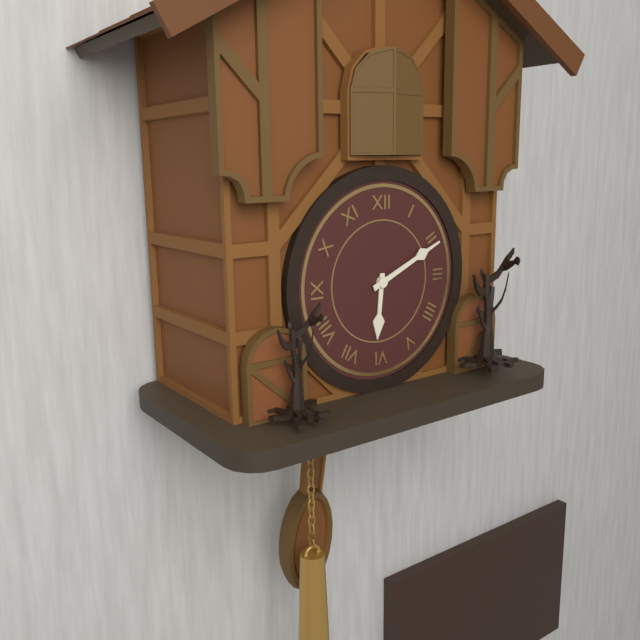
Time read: 6:11
